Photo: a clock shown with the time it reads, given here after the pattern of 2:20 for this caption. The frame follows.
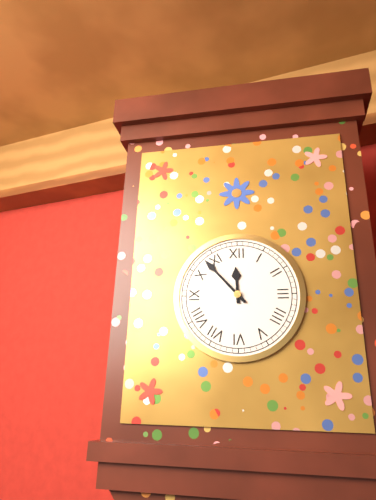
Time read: 11:53
